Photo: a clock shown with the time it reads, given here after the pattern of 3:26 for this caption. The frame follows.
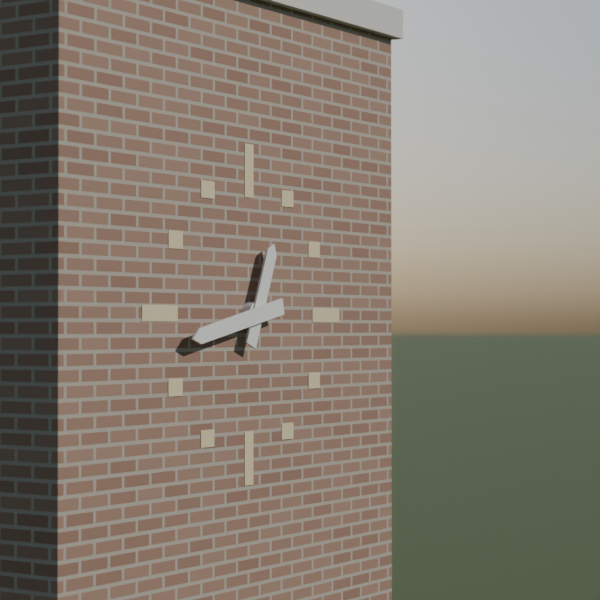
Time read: 12:43
